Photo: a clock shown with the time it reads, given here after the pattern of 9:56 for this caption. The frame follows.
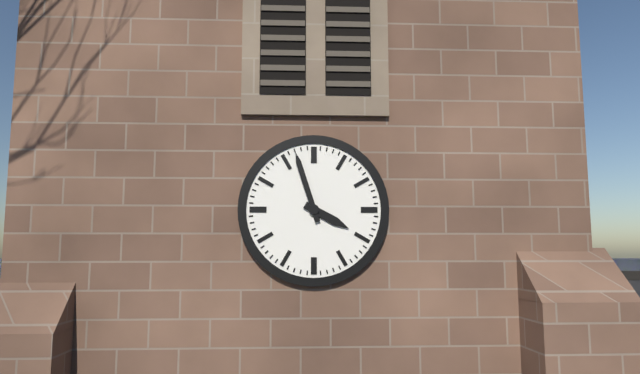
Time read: 3:57
